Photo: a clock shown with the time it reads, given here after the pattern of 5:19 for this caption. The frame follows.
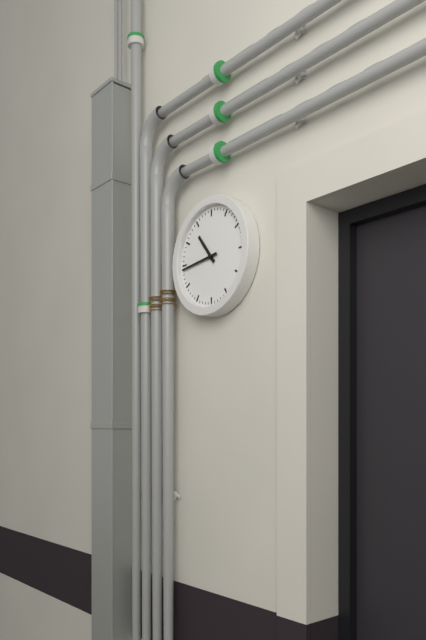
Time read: 10:44
